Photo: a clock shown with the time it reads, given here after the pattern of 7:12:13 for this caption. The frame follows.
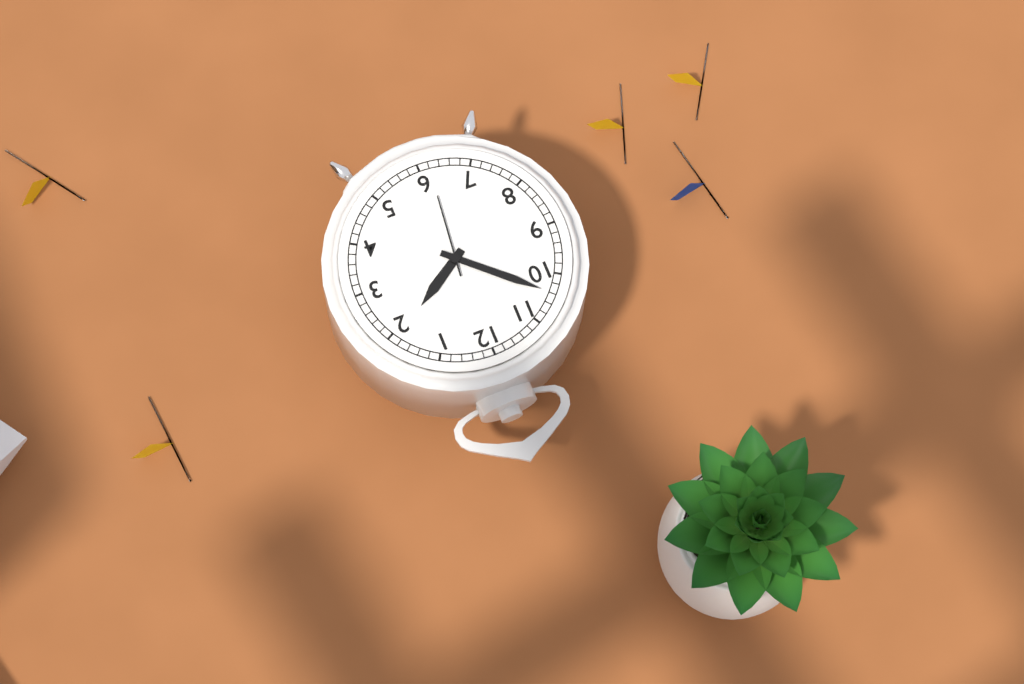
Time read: 1:52:31
